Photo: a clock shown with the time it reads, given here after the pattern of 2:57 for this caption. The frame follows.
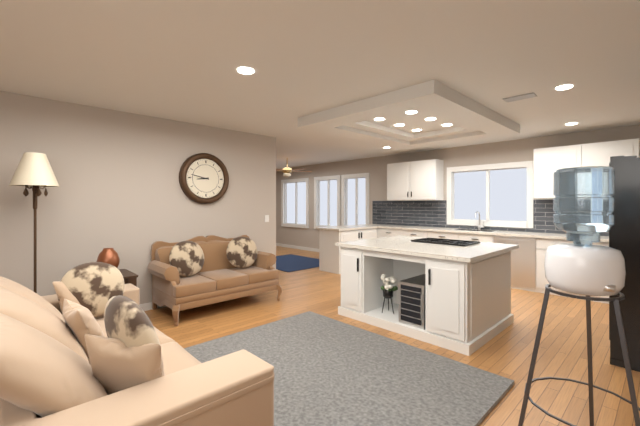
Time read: 8:47
